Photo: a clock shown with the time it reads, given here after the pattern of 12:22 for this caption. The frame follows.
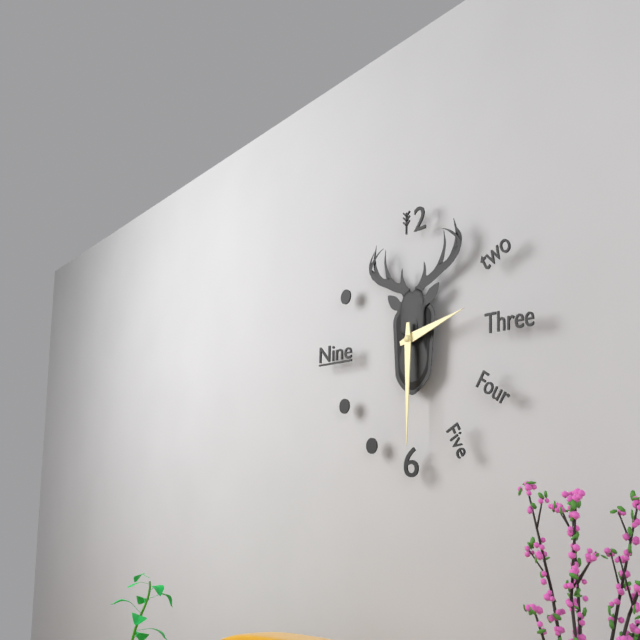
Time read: 2:30
